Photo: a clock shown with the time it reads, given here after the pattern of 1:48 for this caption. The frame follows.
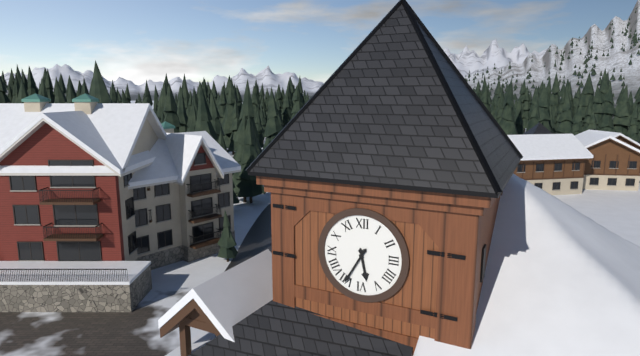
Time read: 5:35
